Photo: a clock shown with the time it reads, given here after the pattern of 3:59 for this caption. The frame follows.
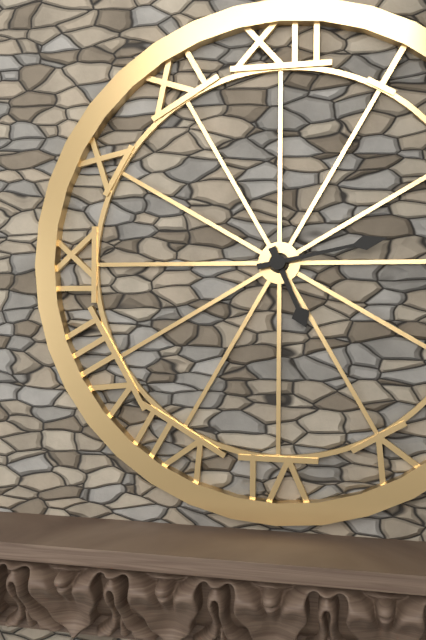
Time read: 5:13
